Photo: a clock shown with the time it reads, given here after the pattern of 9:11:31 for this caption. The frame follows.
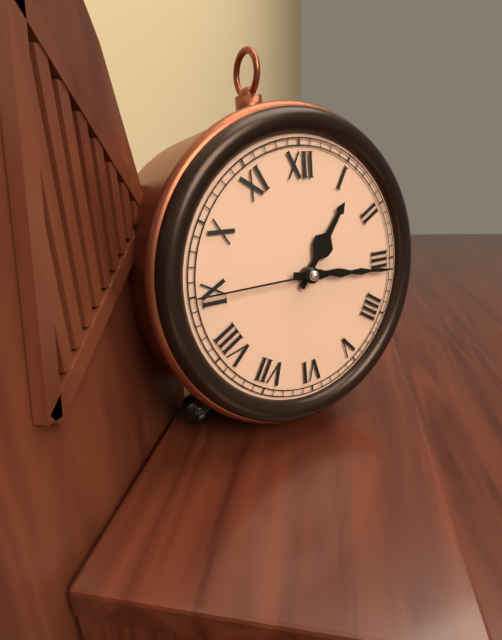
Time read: 1:16:45
